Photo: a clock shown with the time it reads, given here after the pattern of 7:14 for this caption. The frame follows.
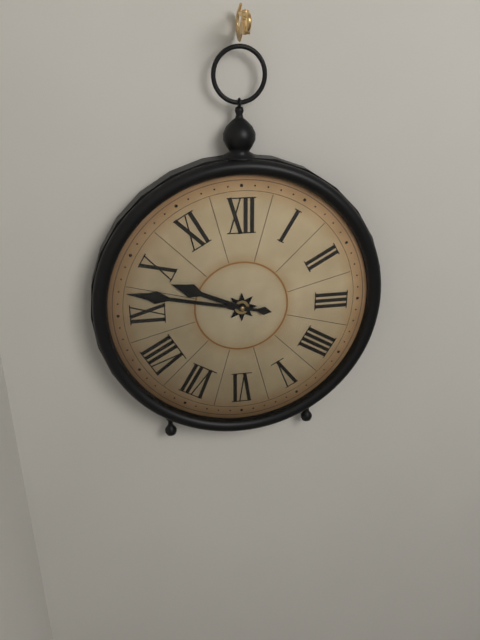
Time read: 9:47
